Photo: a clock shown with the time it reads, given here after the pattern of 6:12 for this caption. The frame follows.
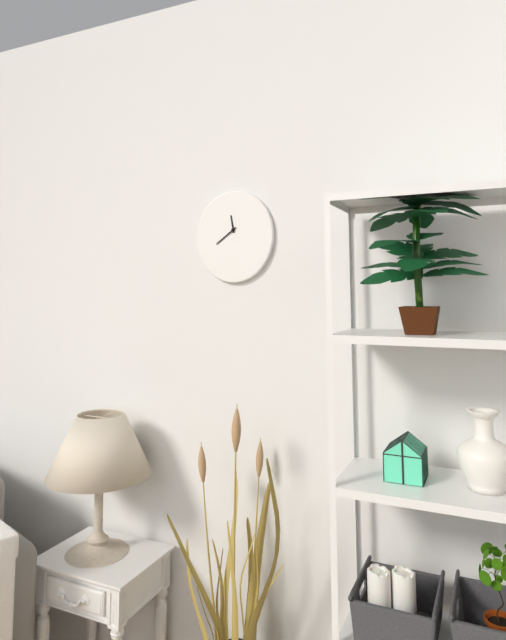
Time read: 11:39
